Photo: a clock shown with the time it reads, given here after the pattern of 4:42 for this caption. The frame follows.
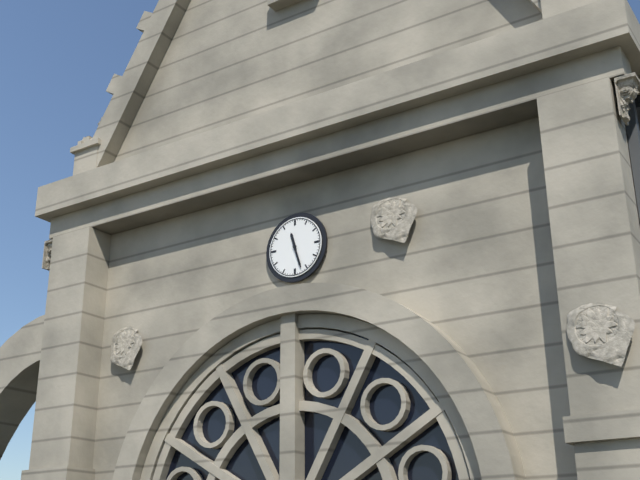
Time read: 11:27
